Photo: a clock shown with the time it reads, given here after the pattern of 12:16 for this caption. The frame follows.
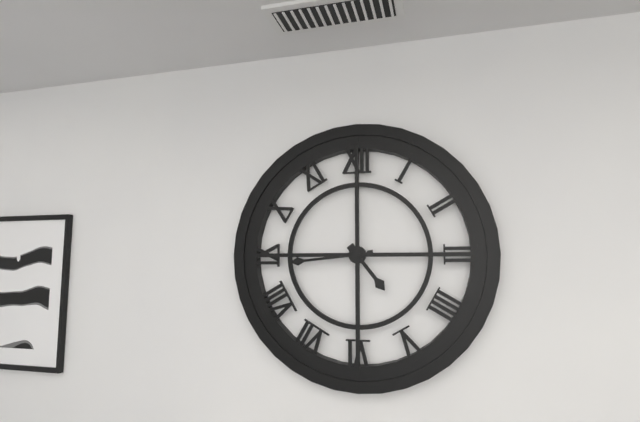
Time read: 4:44
